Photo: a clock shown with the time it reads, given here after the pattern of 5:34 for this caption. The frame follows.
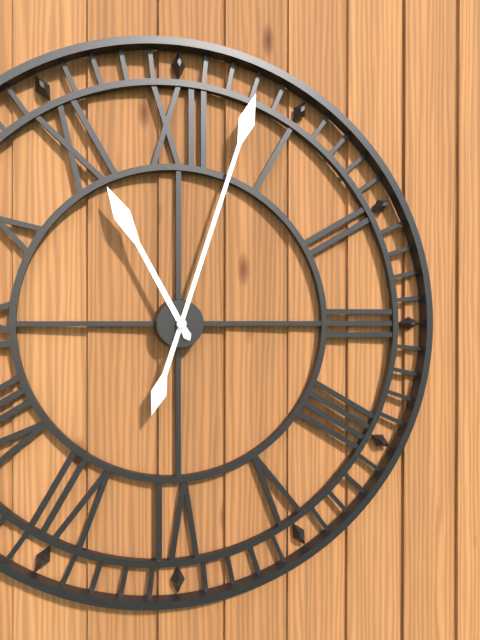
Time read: 11:03
